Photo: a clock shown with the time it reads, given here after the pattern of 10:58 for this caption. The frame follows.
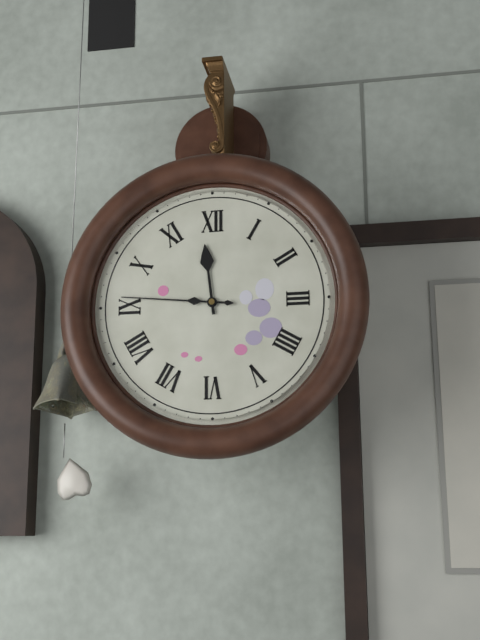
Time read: 11:46
